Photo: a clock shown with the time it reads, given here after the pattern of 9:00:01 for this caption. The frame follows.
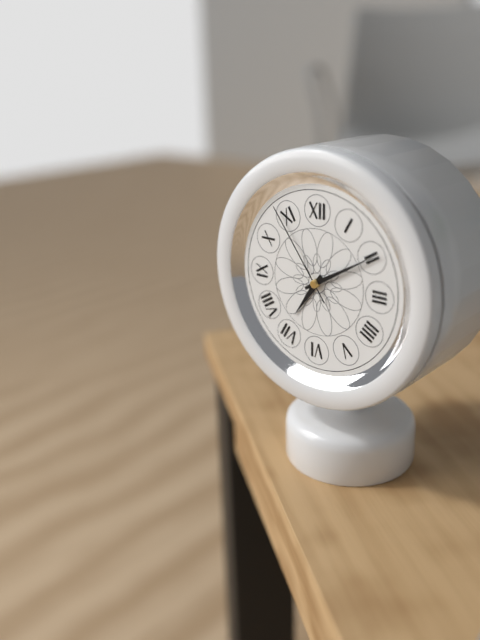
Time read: 7:10:54
